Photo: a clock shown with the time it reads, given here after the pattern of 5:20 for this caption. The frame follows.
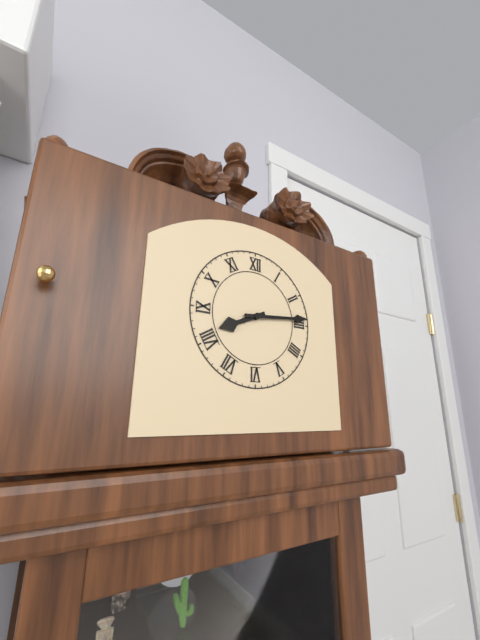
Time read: 8:14
